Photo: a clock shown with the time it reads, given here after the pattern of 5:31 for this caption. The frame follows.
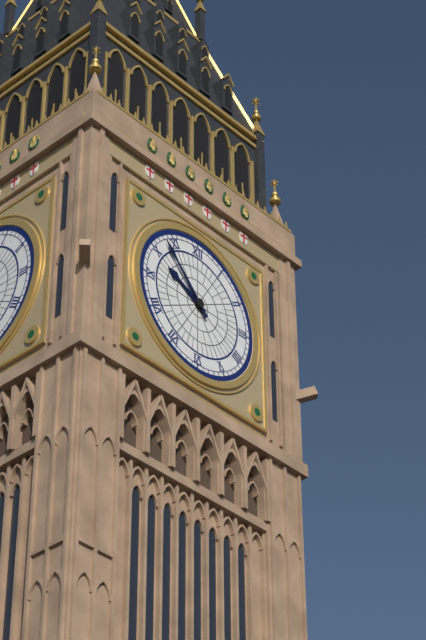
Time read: 9:53
